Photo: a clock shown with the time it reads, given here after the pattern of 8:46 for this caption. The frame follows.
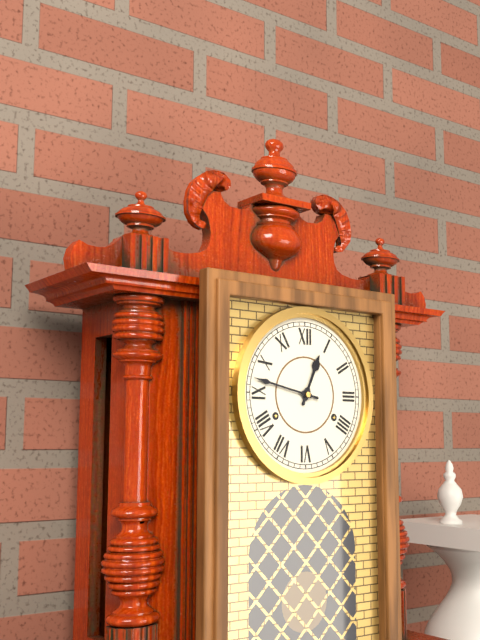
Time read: 12:47
